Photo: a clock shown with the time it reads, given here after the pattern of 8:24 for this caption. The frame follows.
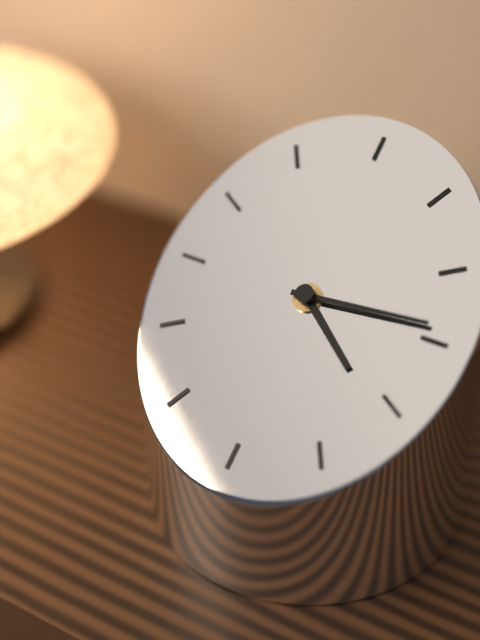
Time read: 4:14
